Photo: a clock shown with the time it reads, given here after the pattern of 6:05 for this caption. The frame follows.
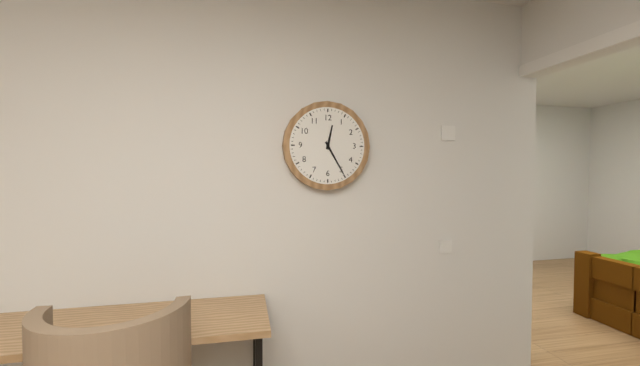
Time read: 12:25
